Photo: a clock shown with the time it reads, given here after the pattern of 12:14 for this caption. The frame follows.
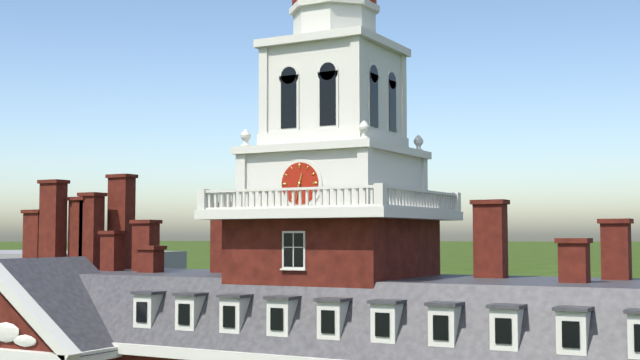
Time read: 12:32
